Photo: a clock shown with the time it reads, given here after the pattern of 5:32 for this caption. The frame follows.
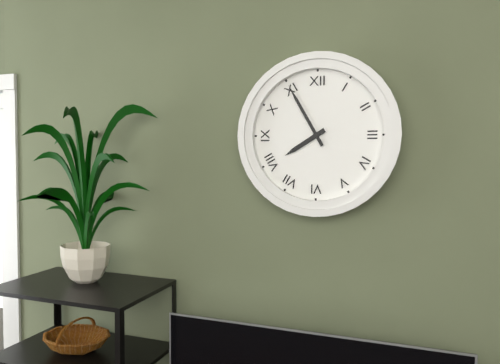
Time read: 7:55
